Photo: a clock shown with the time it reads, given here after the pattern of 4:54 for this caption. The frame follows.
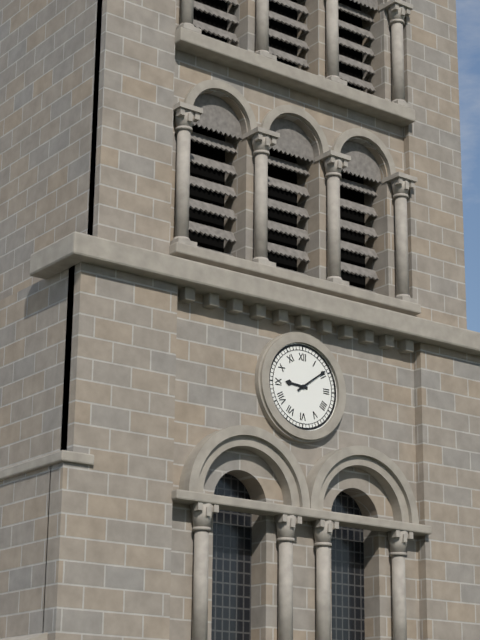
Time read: 9:09
